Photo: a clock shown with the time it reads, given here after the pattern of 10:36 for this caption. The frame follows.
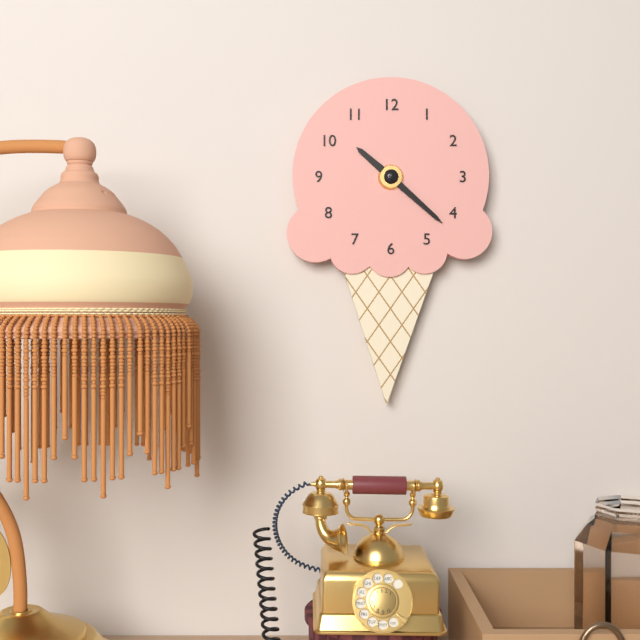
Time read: 10:22
